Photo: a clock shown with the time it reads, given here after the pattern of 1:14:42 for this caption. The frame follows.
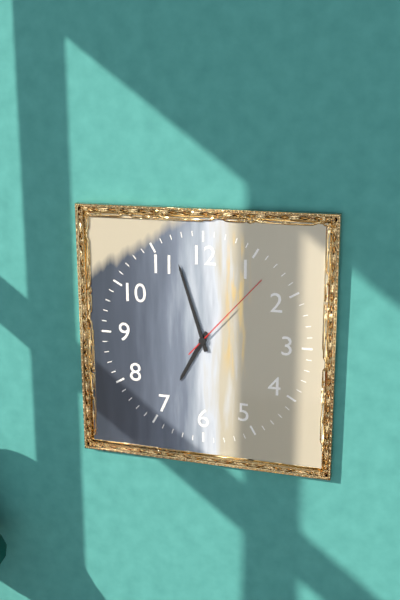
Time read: 6:57:07
